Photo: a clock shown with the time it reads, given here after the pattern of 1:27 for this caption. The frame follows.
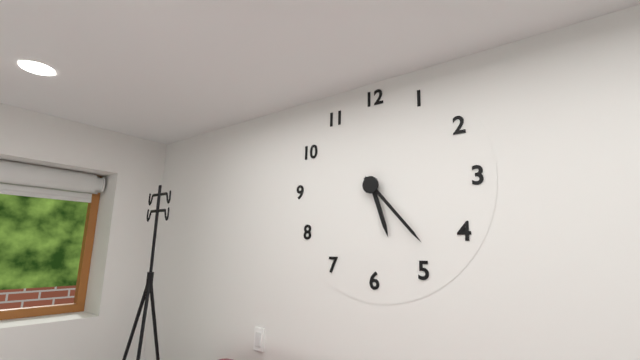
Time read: 5:23
